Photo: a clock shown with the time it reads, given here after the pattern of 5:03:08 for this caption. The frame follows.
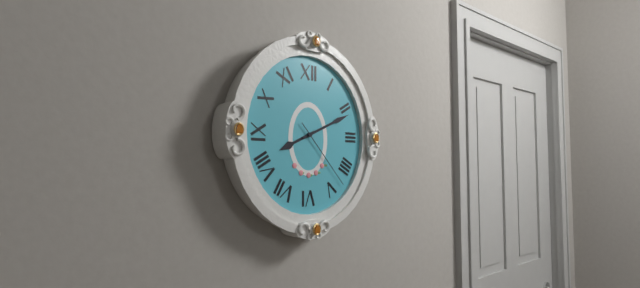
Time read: 8:11:23
